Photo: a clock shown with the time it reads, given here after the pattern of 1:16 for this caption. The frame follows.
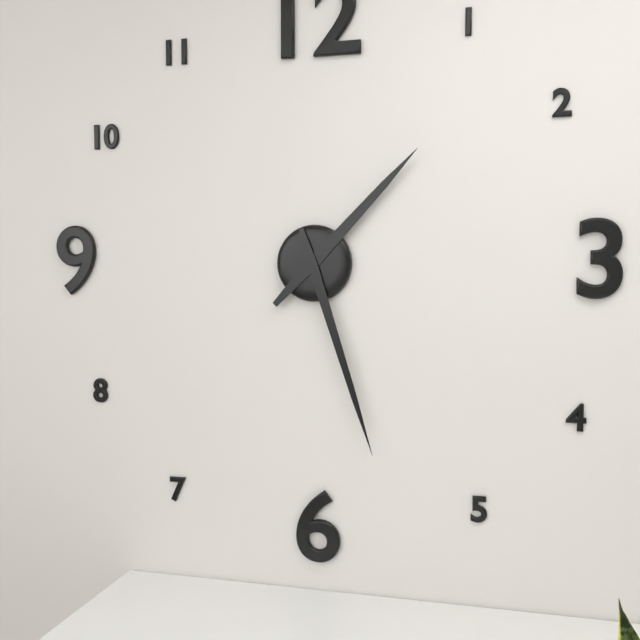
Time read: 1:27
